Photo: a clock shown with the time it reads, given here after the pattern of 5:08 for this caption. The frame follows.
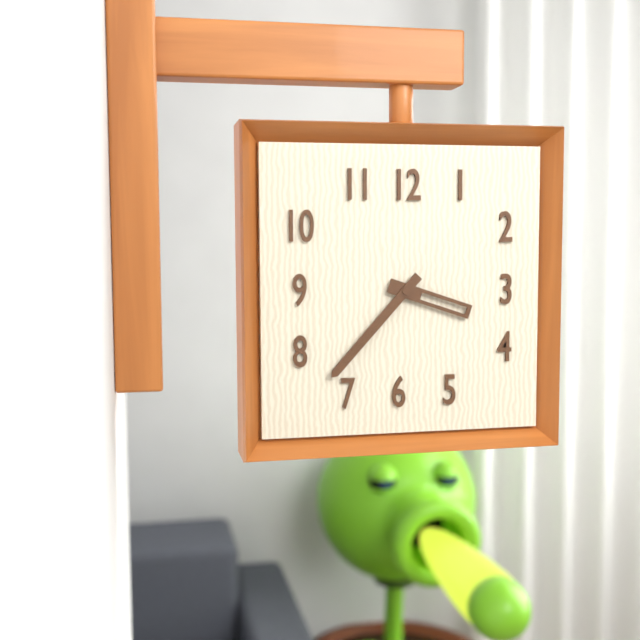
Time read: 3:37
